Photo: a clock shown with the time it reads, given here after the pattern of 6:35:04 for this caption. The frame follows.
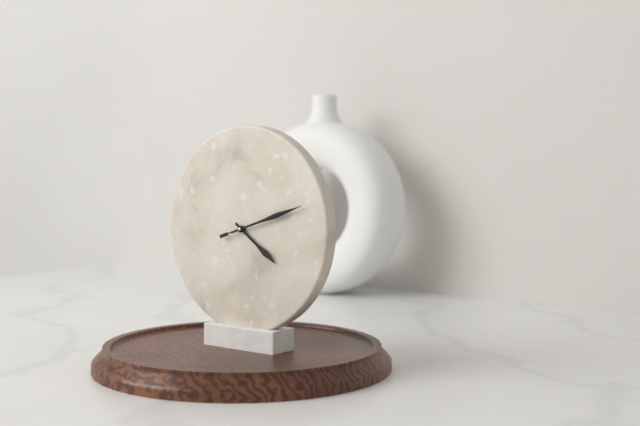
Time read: 4:12:12
